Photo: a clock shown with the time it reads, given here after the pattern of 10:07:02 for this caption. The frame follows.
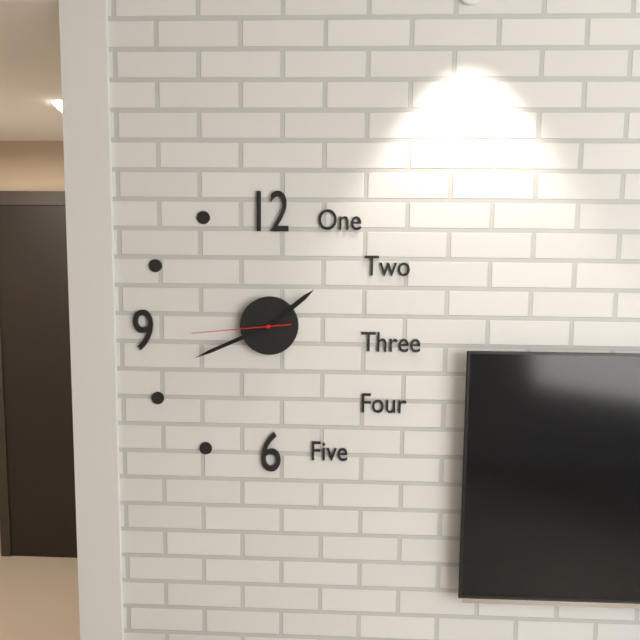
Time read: 1:41:44
